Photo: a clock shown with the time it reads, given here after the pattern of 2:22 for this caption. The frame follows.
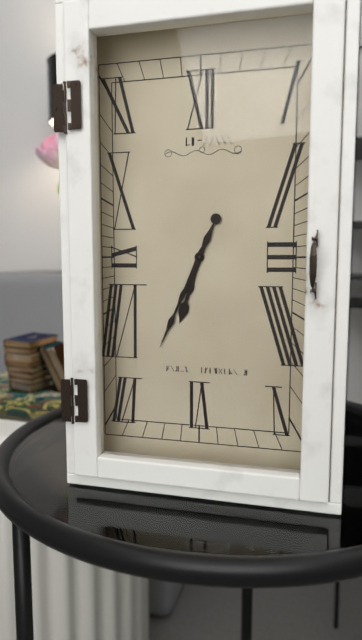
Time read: 6:34
